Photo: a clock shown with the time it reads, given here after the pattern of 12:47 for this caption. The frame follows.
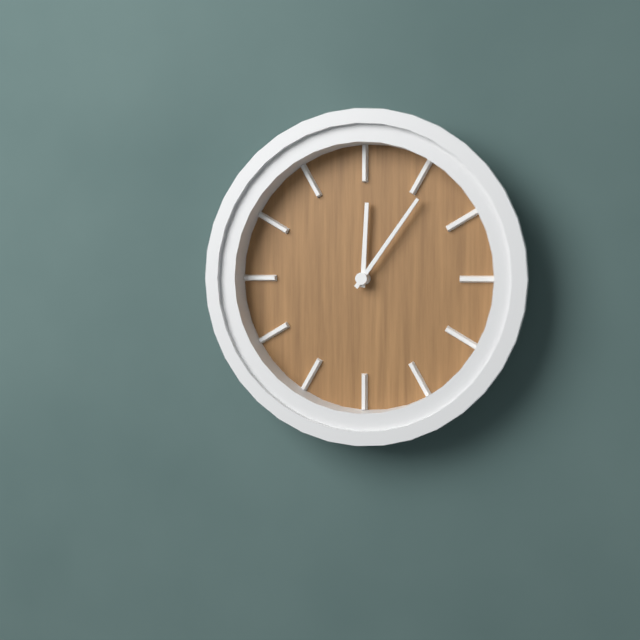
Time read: 12:06
